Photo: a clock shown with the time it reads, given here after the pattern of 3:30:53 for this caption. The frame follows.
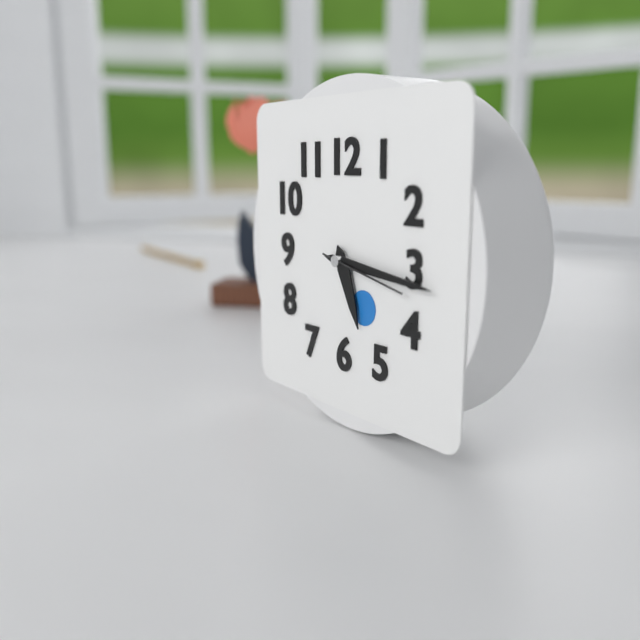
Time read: 5:16:17
